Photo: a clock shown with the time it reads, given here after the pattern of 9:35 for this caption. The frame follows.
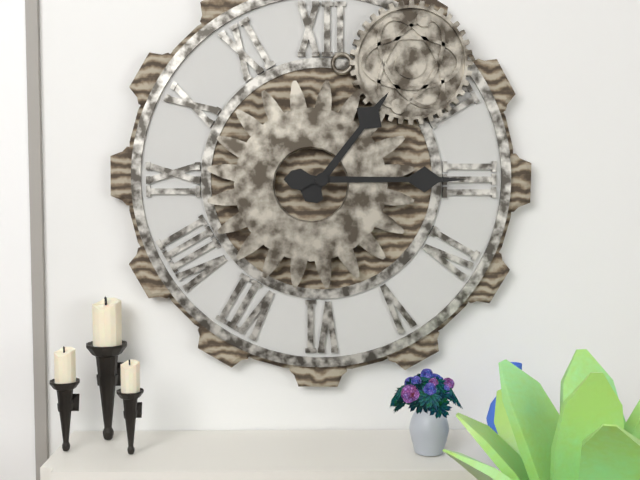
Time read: 1:15
